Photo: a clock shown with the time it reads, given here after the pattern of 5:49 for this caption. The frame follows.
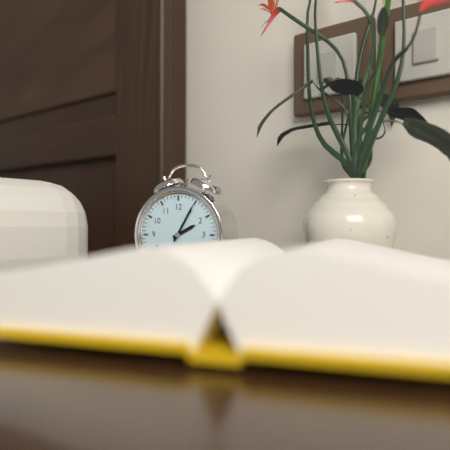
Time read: 2:05
